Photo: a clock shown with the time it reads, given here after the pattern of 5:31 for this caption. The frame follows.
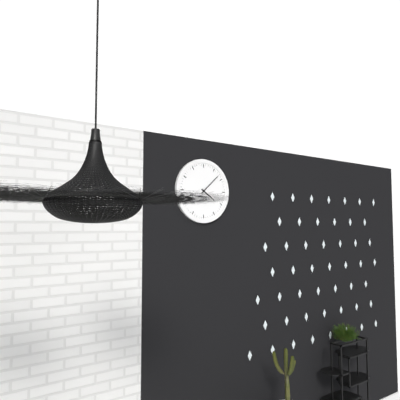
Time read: 4:08
